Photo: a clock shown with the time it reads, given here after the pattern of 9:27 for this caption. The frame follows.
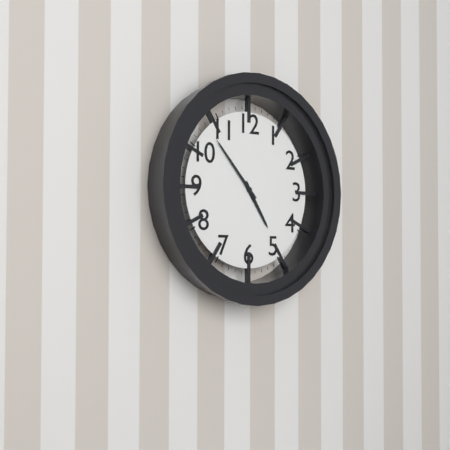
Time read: 4:53
